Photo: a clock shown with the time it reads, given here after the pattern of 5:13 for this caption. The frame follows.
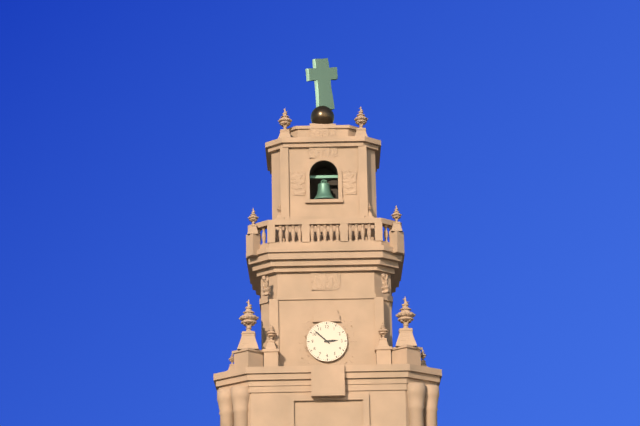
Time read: 2:52
